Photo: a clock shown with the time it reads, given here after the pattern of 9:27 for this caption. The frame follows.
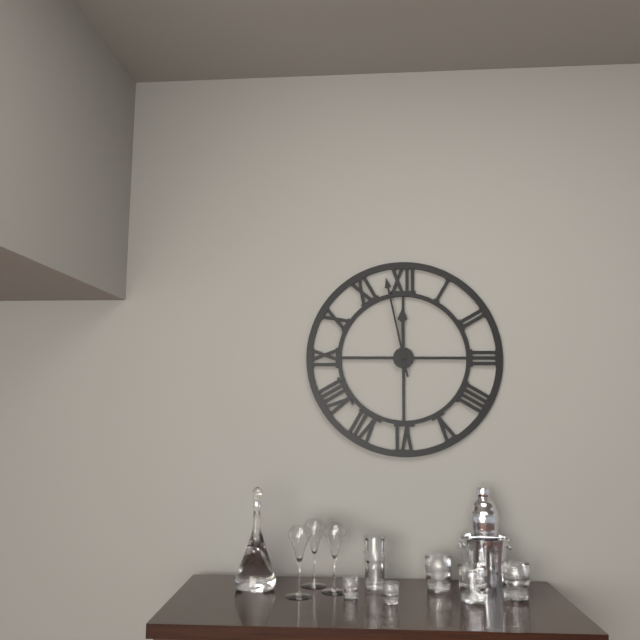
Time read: 11:58
